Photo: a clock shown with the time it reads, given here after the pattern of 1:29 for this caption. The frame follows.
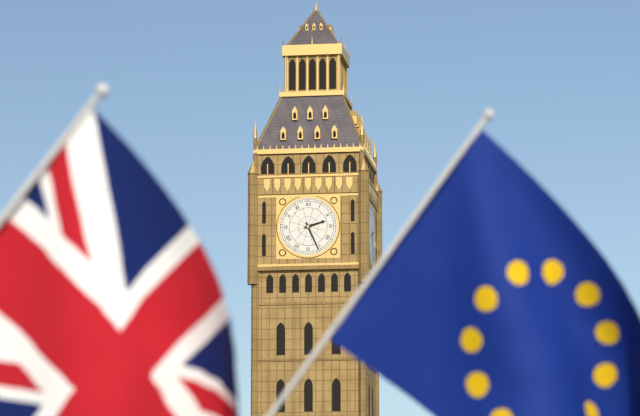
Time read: 2:26
